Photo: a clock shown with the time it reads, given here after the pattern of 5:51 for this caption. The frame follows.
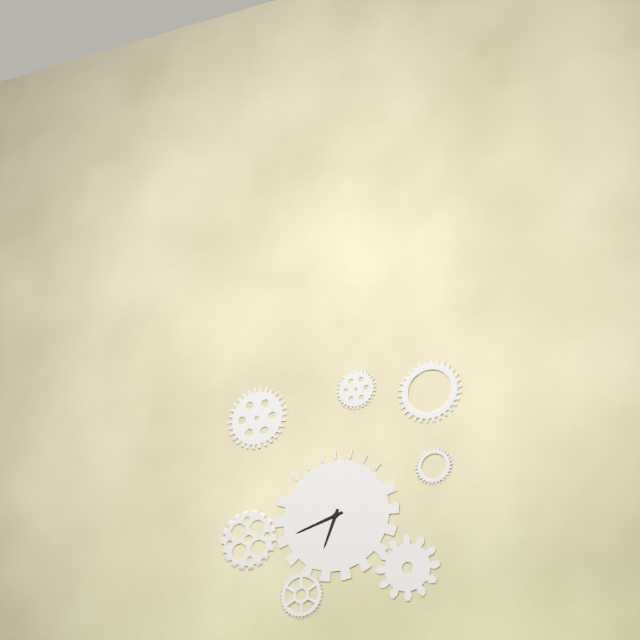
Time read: 6:42
